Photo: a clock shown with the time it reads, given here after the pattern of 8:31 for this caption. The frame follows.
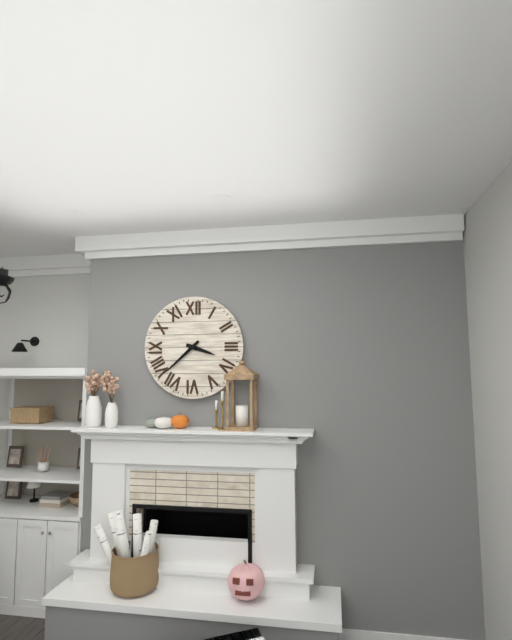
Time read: 3:38
